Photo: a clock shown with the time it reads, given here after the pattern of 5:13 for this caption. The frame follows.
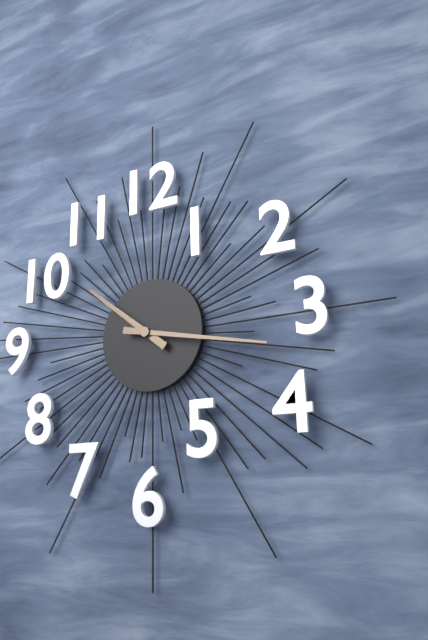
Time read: 10:17
